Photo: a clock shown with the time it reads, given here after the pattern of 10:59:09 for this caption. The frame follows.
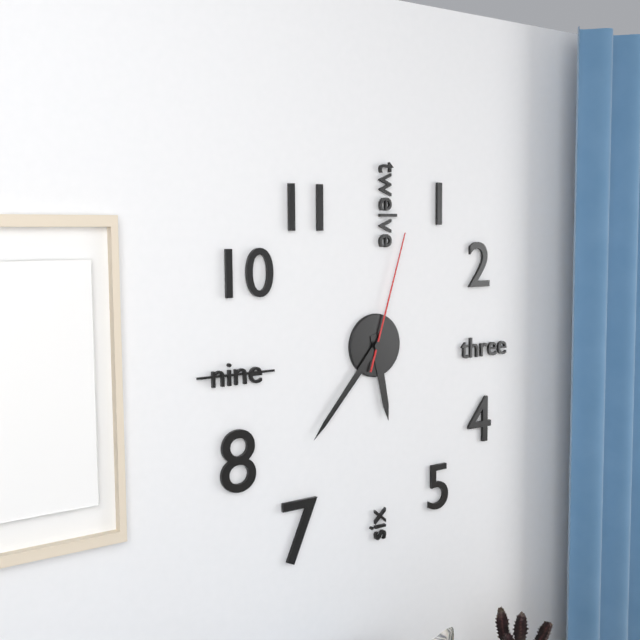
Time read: 5:37:03
